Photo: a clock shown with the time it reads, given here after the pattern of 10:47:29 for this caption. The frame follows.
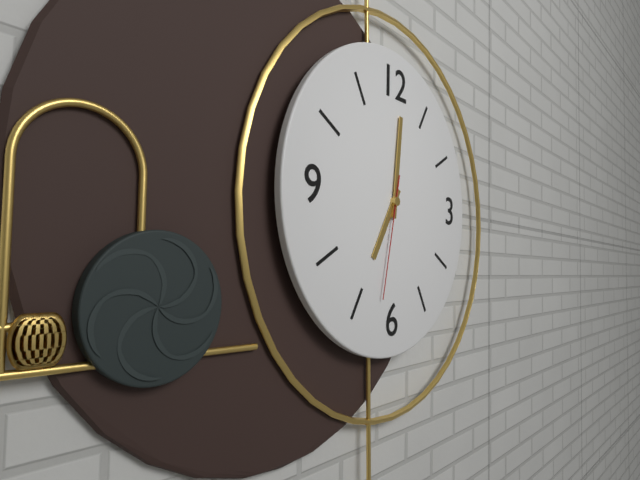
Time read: 7:01:32
